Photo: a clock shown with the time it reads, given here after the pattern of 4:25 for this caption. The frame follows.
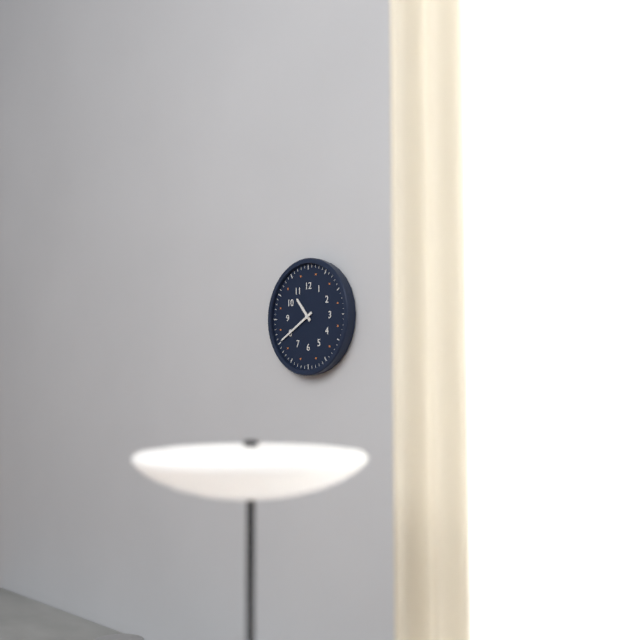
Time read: 10:40
